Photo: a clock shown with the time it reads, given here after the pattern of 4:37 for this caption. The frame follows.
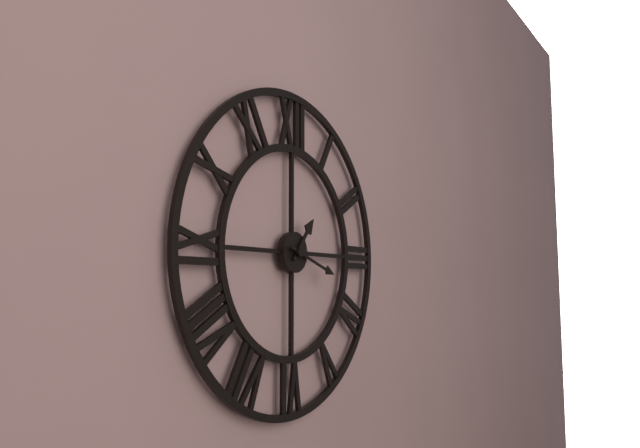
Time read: 1:18
